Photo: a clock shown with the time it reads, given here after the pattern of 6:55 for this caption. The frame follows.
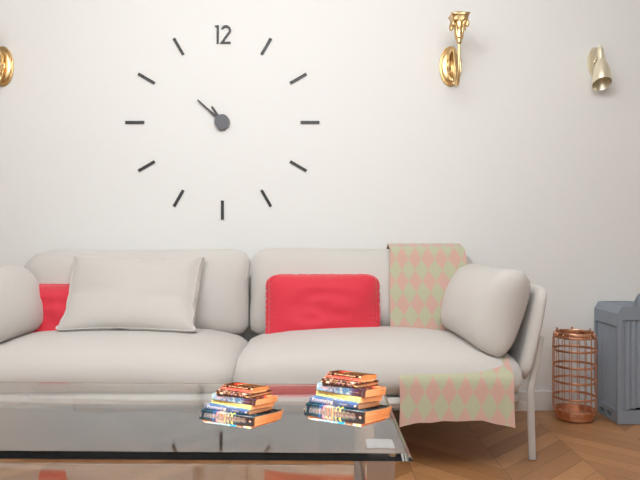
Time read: 10:52
